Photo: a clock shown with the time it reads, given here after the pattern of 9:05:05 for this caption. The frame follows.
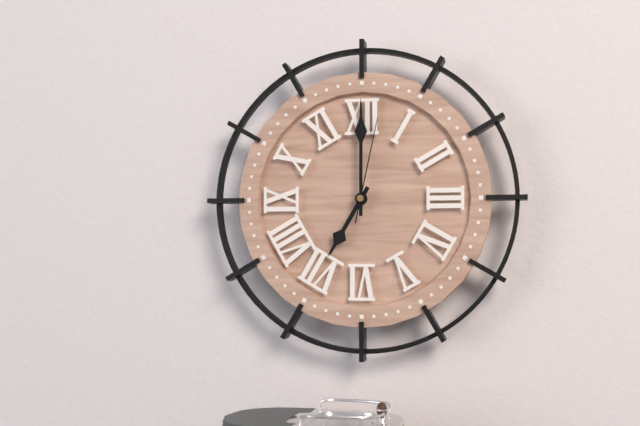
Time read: 7:00:02
